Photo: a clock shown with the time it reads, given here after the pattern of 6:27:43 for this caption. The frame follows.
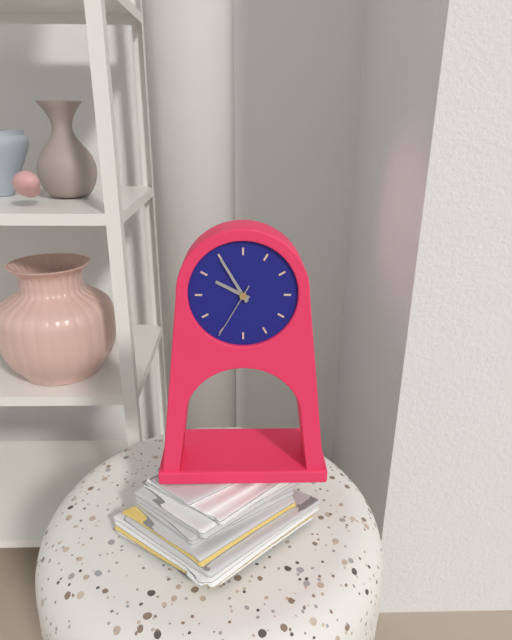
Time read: 9:55:35
